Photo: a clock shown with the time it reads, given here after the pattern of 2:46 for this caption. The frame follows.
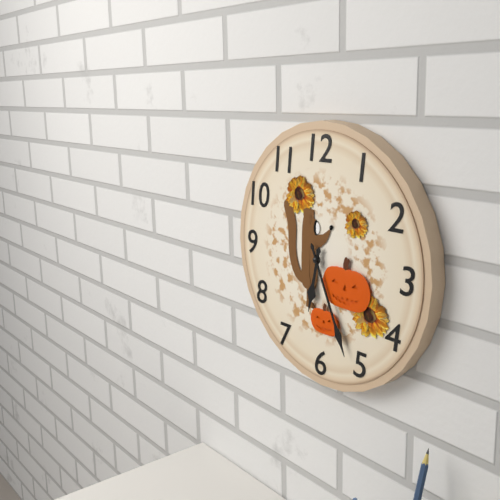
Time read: 6:26
